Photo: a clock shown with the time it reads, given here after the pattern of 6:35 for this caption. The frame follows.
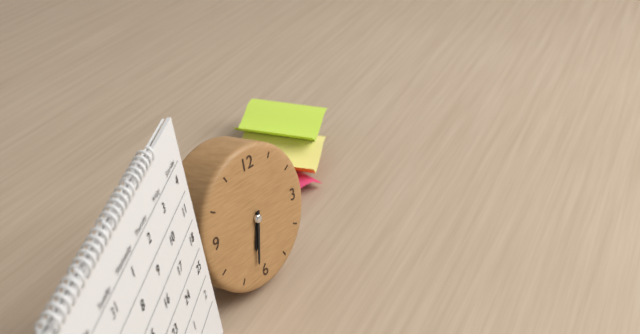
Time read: 6:32
